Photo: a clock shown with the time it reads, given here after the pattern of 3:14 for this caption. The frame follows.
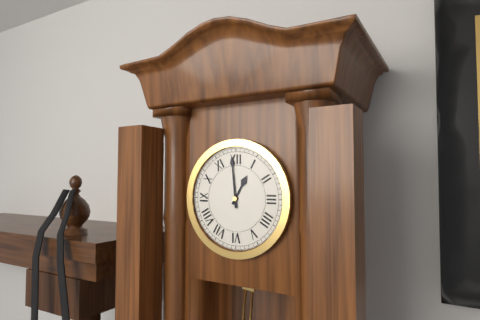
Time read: 12:59
